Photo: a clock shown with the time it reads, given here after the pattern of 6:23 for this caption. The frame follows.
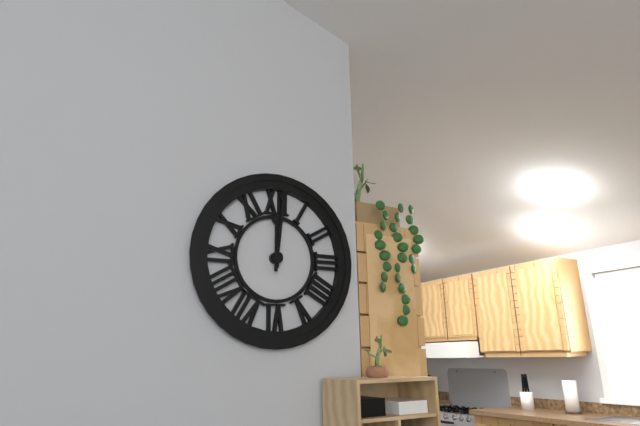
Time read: 12:01
